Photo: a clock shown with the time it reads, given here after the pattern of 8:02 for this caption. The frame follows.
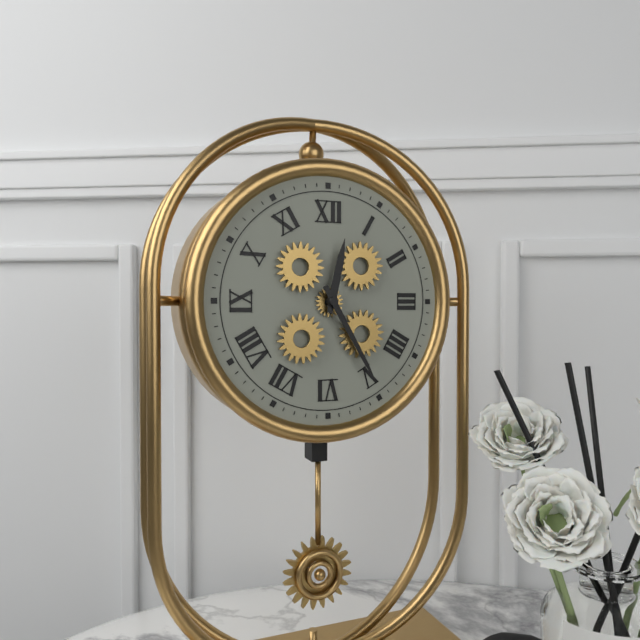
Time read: 12:25
